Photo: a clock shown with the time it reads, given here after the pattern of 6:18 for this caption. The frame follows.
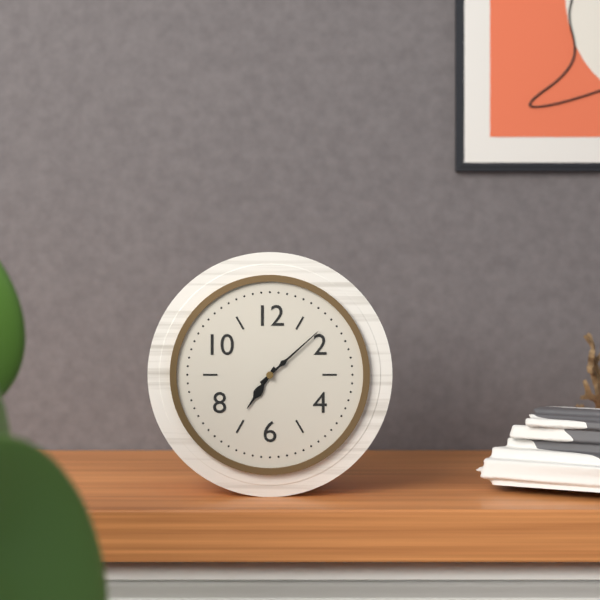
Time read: 7:08
